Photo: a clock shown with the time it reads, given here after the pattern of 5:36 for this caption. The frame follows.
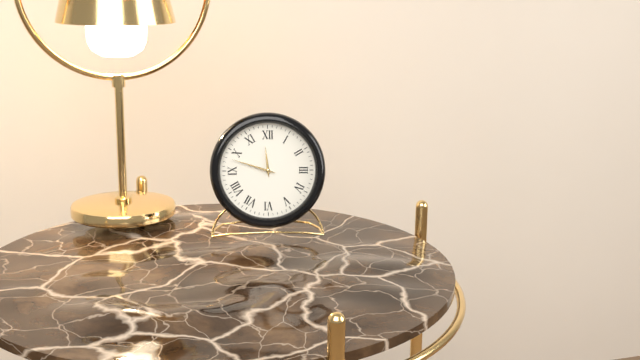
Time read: 11:48
